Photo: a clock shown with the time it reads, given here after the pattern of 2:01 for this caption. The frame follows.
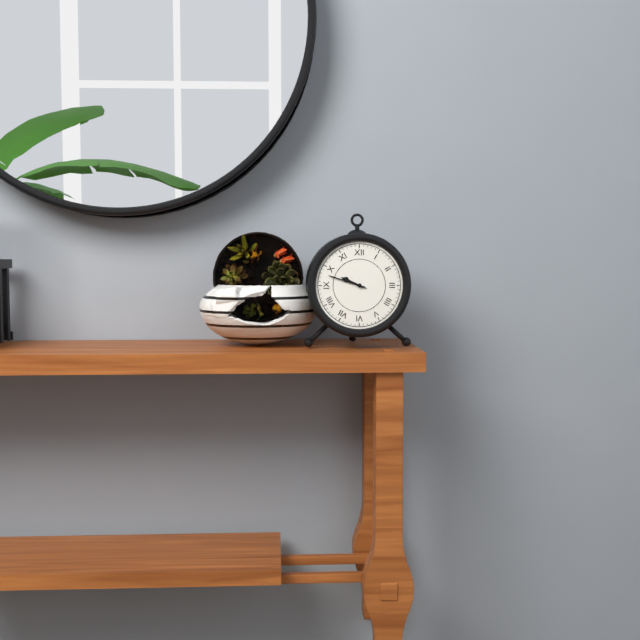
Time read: 9:48
